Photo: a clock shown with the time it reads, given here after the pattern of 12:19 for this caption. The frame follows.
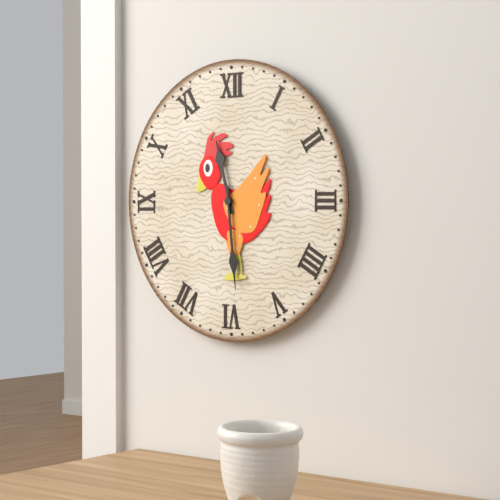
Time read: 11:29
